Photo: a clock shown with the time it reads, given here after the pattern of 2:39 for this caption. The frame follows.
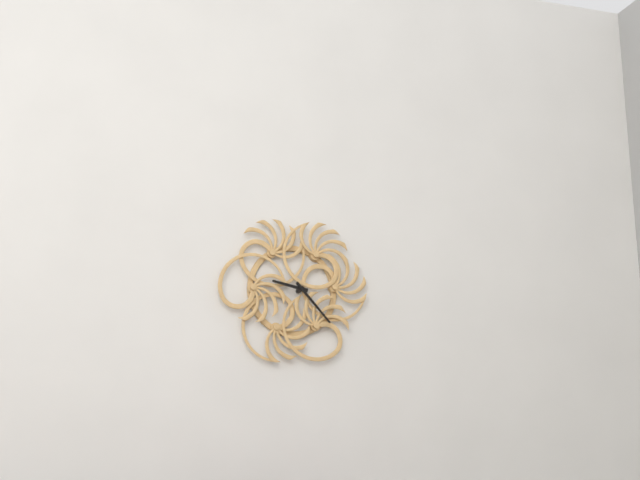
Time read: 9:23
